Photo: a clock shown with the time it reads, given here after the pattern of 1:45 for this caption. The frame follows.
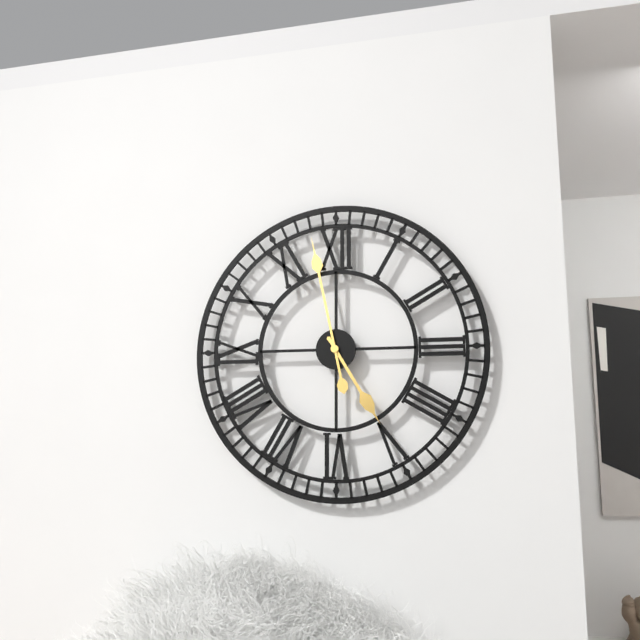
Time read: 4:58
